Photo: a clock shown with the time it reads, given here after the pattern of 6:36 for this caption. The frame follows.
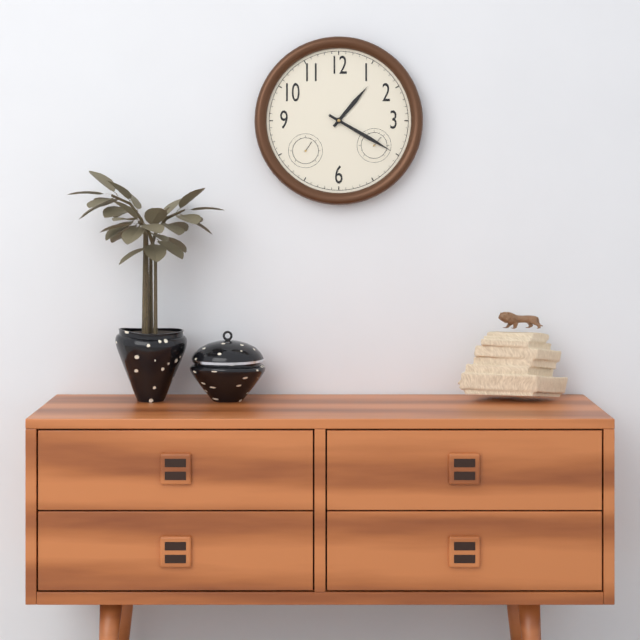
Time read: 1:20
